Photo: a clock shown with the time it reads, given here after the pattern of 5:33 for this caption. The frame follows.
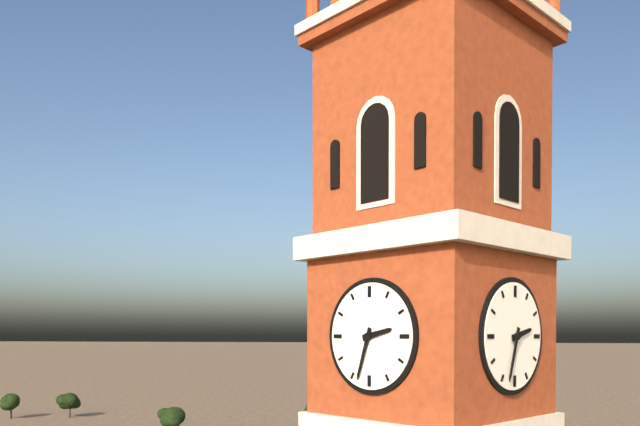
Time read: 2:33
